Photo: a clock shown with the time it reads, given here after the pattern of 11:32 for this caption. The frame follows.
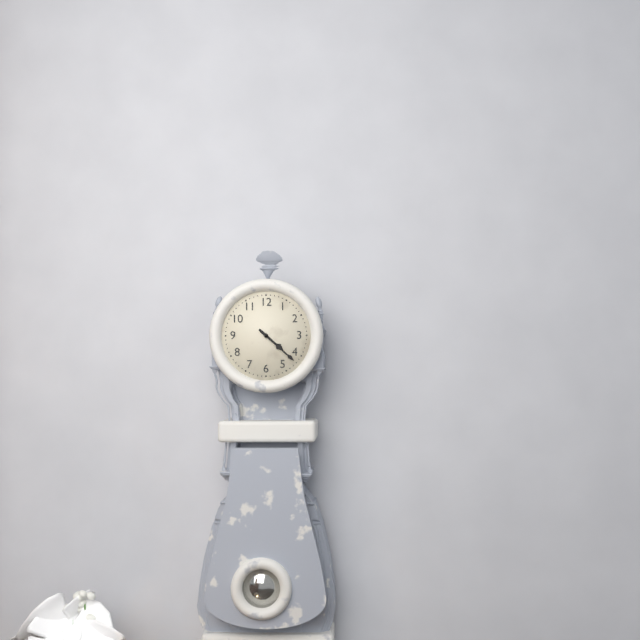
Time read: 4:22
